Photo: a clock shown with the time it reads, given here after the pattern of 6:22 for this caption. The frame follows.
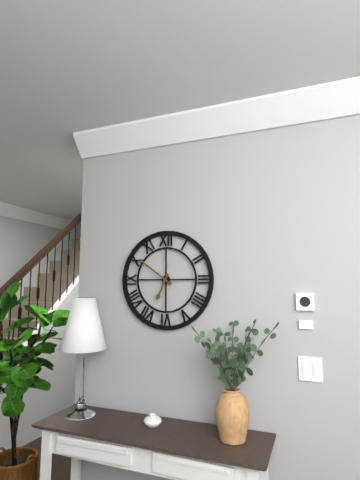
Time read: 6:51
